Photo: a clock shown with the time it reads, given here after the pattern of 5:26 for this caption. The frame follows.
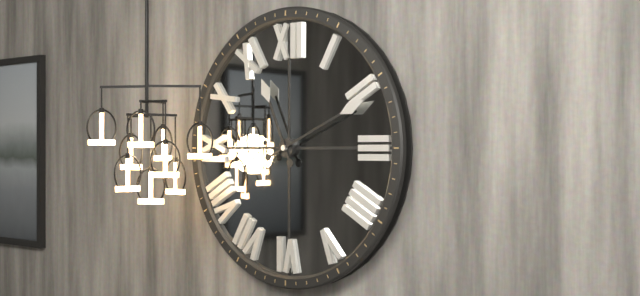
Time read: 11:11
